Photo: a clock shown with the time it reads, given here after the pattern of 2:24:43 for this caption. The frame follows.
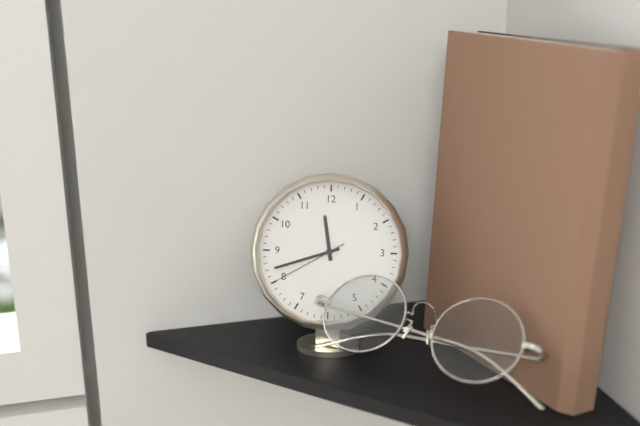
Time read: 11:42:40
